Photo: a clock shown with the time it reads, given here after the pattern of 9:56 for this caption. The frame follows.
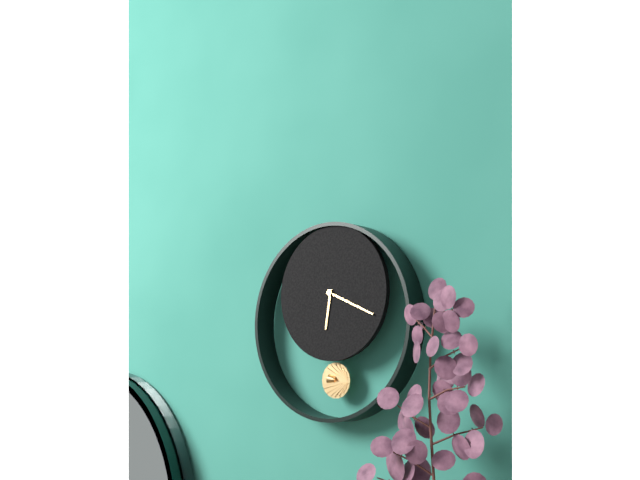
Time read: 6:19
